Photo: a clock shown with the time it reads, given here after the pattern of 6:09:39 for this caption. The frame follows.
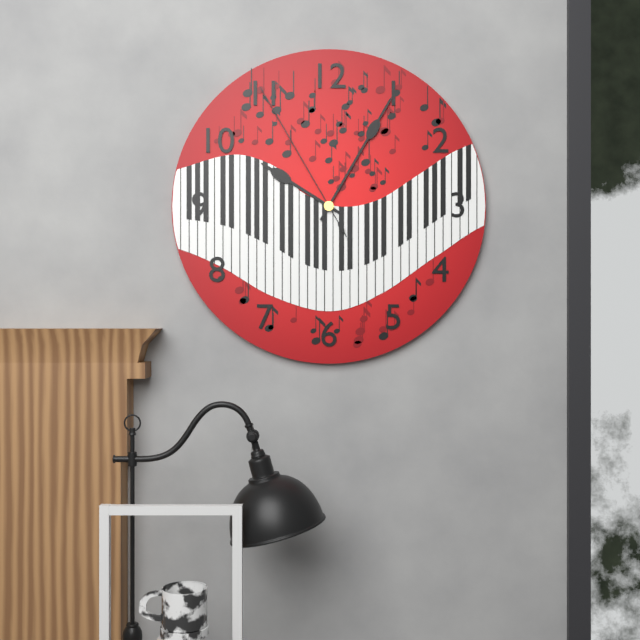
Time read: 10:05:55
